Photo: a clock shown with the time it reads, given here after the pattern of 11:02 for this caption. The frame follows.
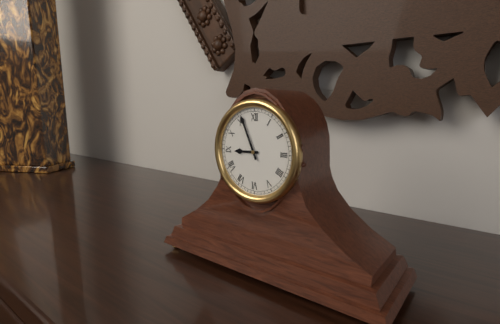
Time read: 8:56
